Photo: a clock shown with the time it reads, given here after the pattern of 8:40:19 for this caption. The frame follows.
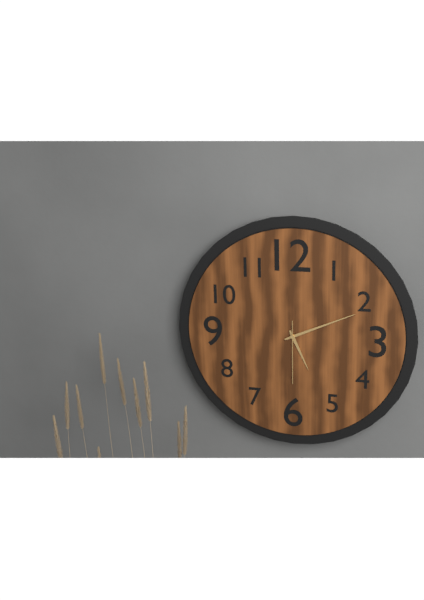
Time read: 5:11:30
